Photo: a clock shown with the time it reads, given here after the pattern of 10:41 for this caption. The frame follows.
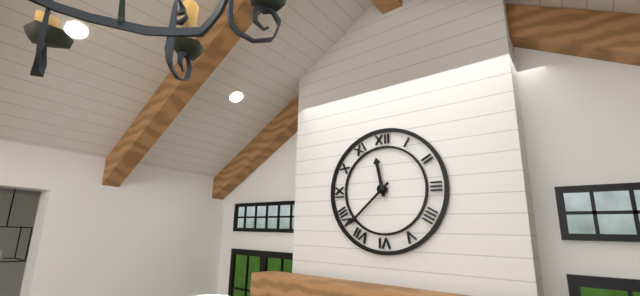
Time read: 11:38
